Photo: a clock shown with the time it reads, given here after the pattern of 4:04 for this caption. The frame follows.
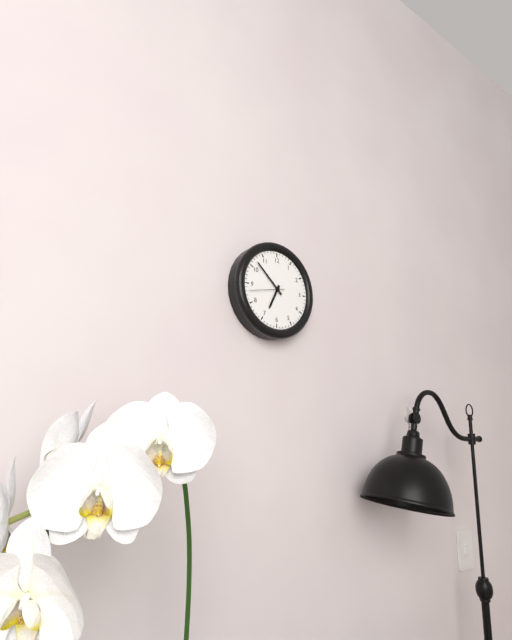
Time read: 6:52
